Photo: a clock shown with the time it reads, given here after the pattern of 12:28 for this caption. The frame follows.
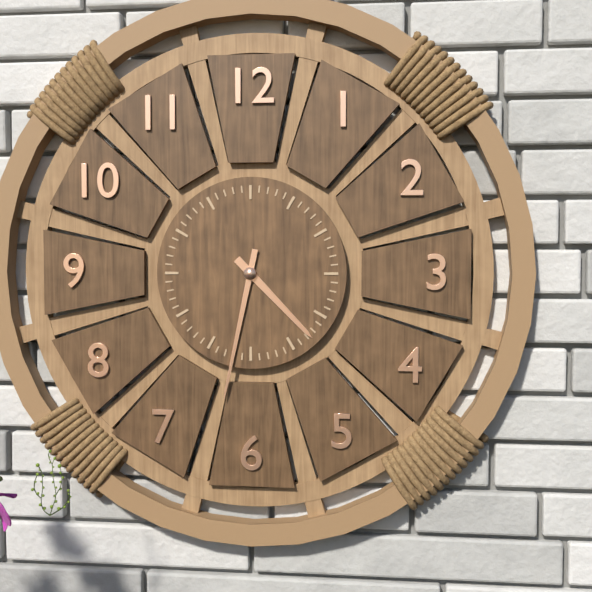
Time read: 4:32
